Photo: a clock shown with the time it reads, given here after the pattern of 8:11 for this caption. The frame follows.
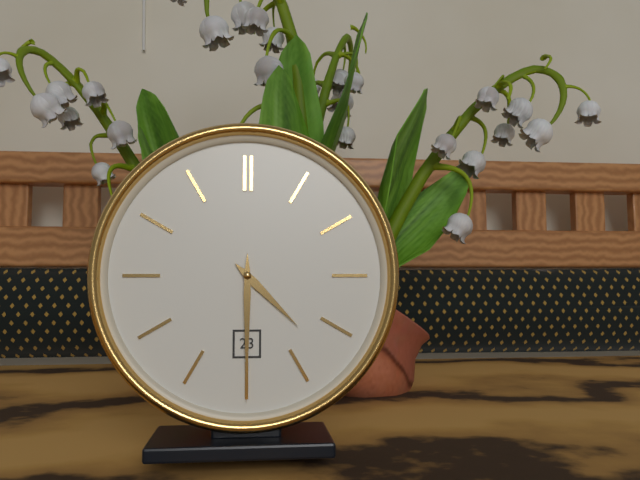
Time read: 4:30
